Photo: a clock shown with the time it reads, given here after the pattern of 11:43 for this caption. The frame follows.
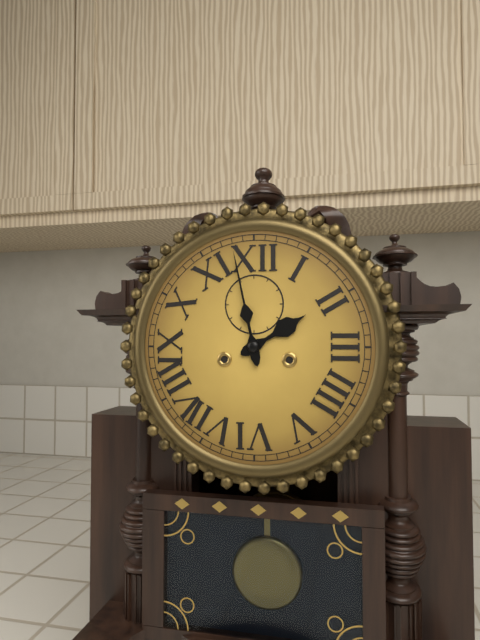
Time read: 1:58
